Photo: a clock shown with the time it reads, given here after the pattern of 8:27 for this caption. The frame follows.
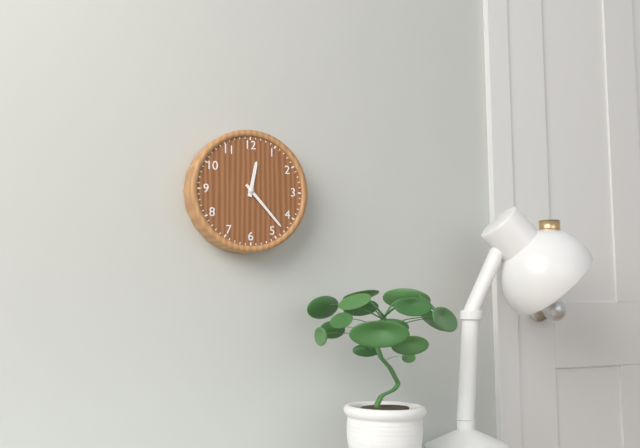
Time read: 12:23
